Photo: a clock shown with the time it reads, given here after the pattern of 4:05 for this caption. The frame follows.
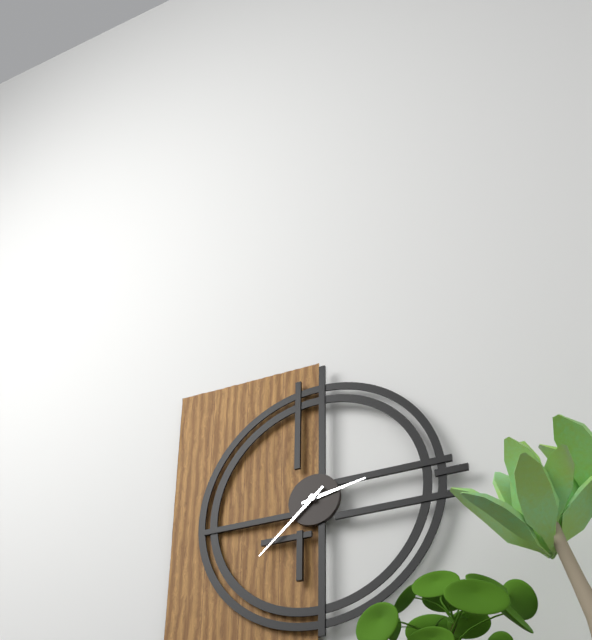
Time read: 2:38
